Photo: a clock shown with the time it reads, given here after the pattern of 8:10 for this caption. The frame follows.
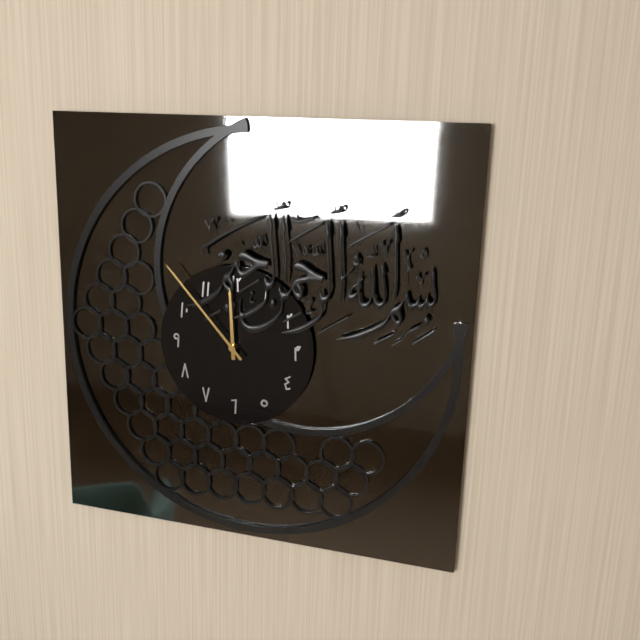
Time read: 11:53
